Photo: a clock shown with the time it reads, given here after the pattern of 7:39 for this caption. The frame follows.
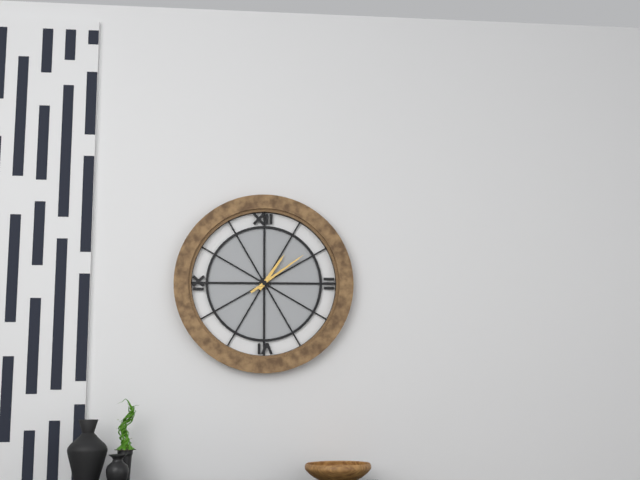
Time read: 1:09
